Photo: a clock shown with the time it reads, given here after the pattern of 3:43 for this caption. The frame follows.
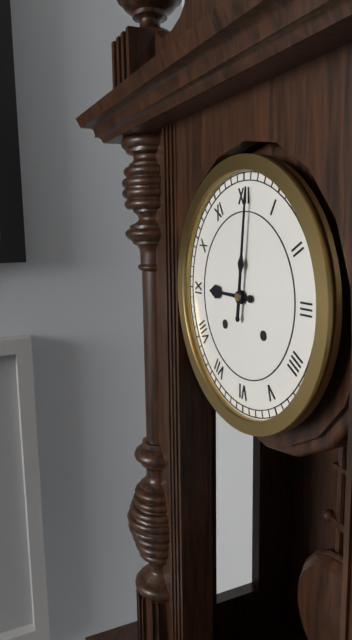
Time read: 9:01
